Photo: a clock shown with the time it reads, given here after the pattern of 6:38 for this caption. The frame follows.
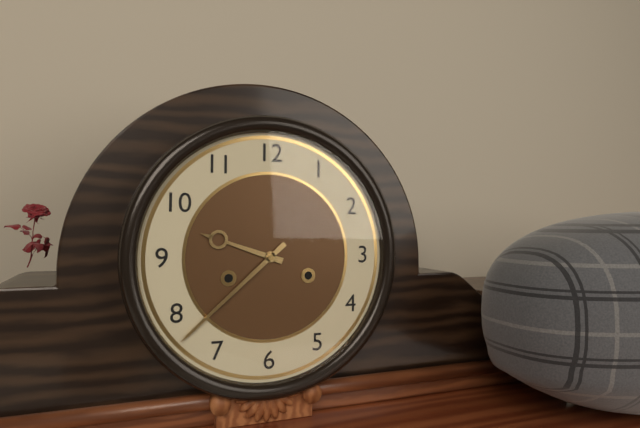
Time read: 9:38
